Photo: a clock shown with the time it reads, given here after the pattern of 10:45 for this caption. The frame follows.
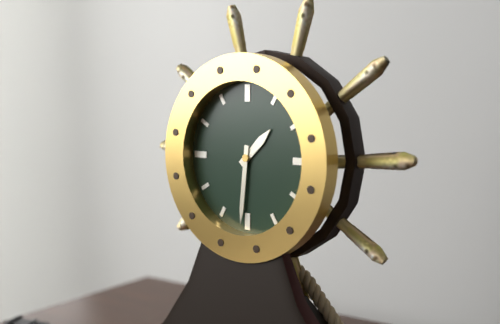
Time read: 1:31
